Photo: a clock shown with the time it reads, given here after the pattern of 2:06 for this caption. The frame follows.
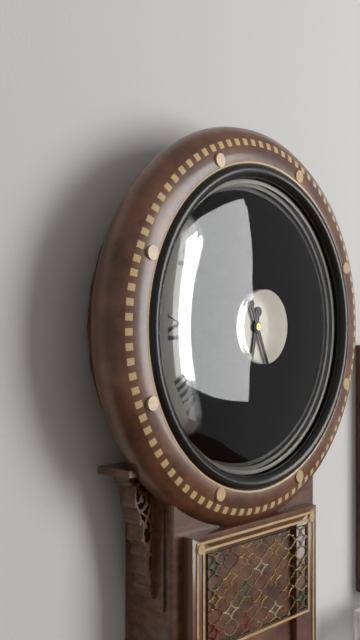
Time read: 6:26
